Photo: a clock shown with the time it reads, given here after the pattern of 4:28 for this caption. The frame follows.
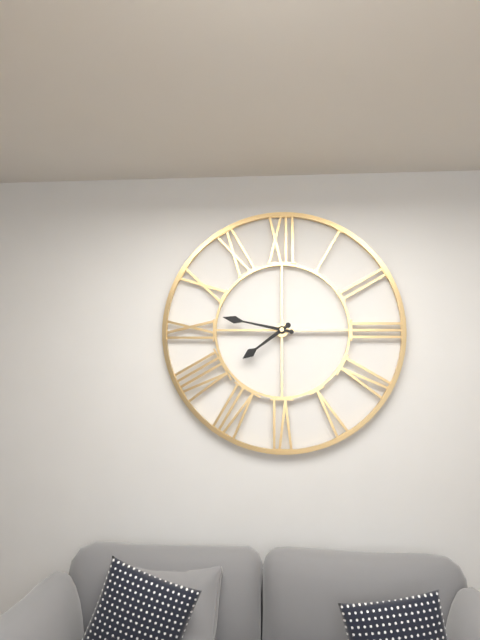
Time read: 7:47
